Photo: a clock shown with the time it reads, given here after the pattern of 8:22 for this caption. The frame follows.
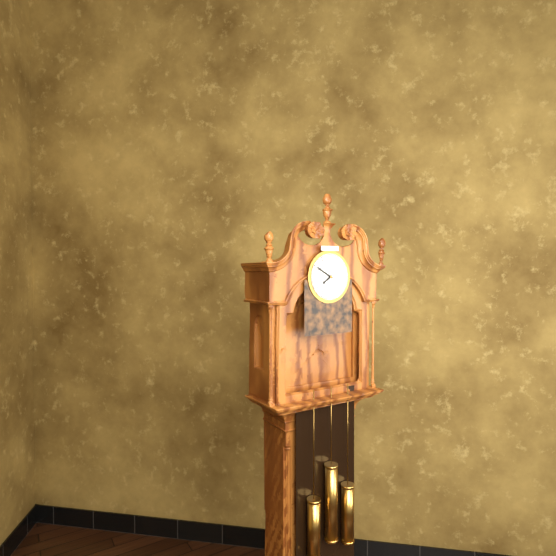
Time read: 7:50
